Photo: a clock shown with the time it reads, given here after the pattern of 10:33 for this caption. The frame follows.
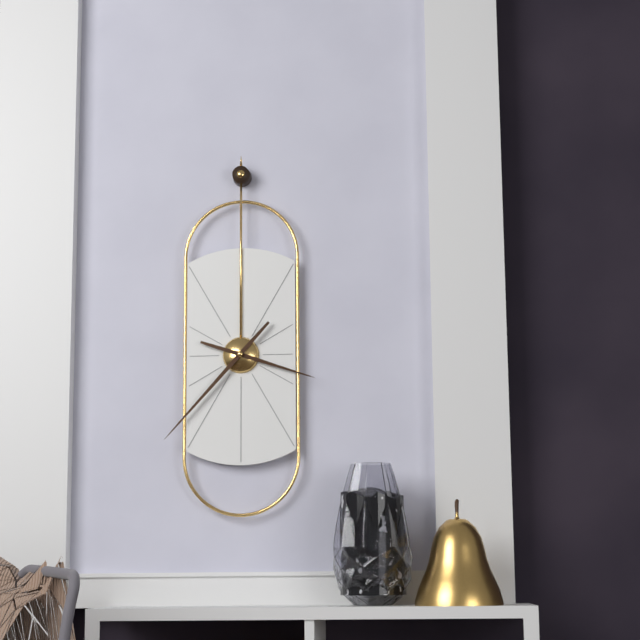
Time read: 3:37
